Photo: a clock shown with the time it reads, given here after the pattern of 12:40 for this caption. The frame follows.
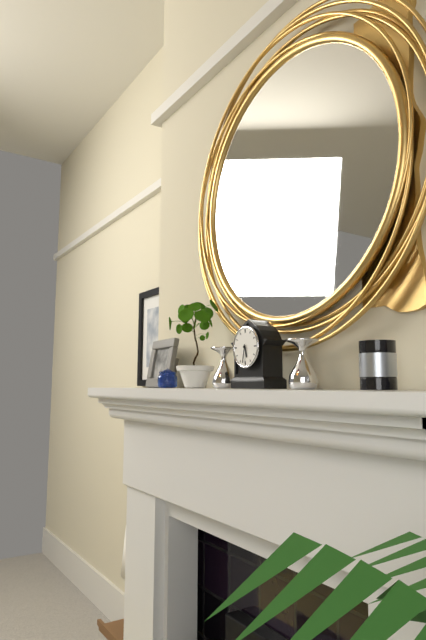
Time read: 5:32
